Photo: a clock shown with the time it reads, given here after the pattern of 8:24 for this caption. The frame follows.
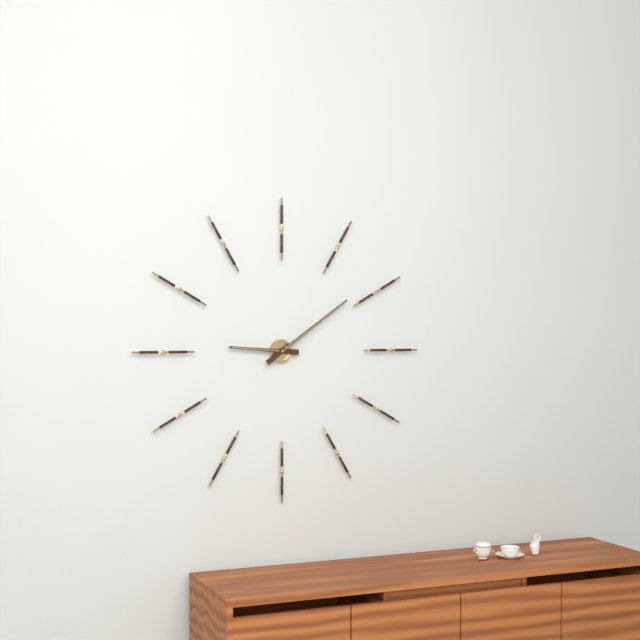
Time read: 9:09
